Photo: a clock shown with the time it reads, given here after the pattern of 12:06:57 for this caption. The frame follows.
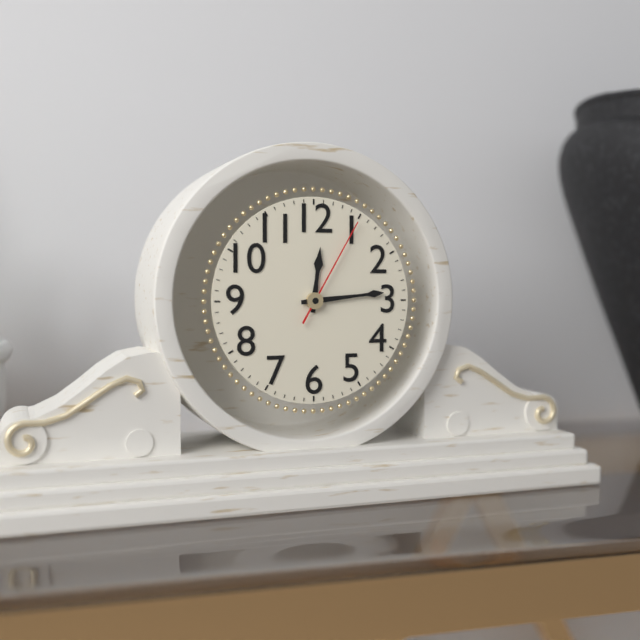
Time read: 12:14:05
